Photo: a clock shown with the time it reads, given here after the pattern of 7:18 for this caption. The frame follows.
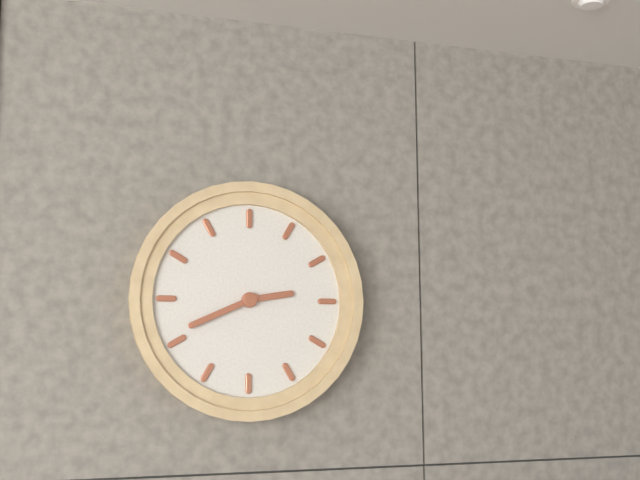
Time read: 2:41
